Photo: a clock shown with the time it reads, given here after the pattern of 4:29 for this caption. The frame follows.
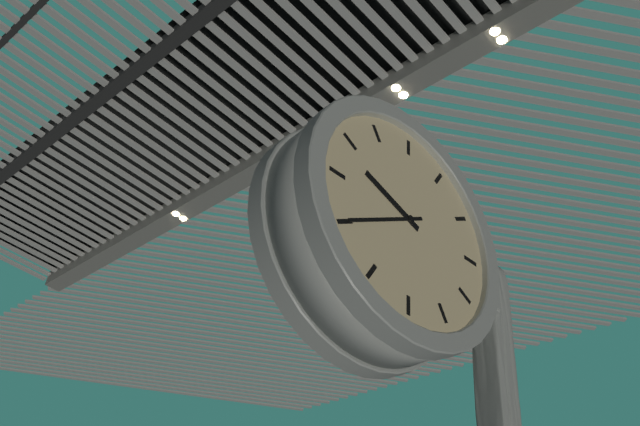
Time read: 9:40
